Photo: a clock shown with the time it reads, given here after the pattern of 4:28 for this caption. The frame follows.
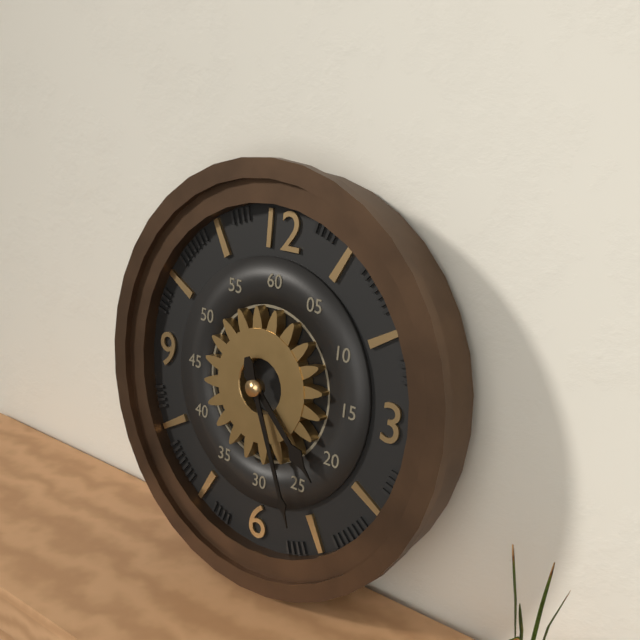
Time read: 4:26
